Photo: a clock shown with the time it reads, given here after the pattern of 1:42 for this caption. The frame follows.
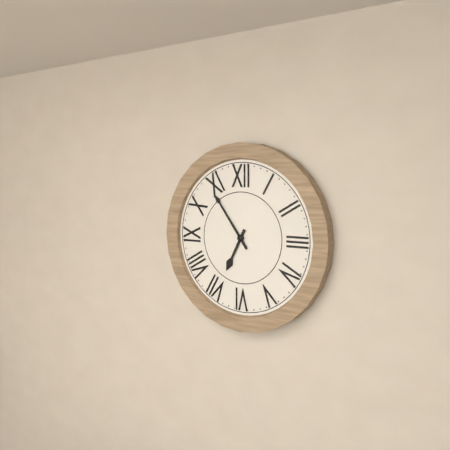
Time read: 6:54
